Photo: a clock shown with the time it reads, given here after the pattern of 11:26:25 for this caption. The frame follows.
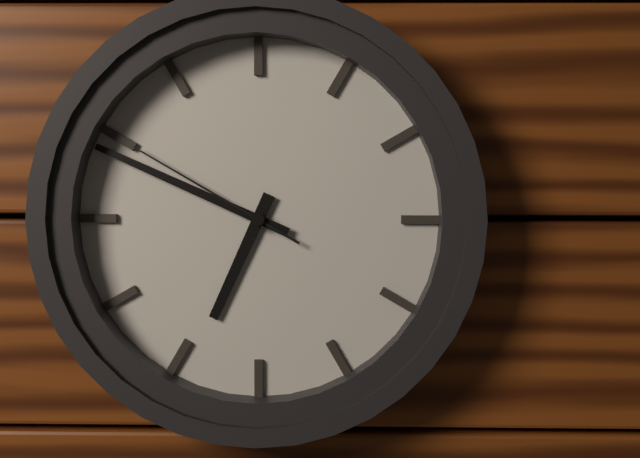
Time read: 6:49:50
